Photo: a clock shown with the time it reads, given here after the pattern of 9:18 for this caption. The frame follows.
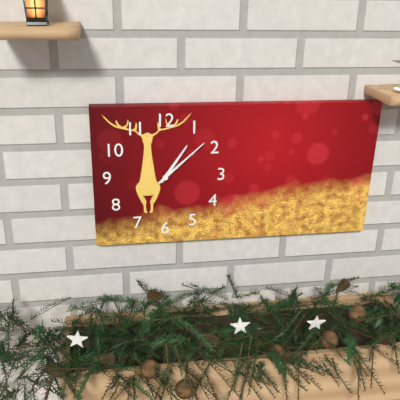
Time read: 1:08
